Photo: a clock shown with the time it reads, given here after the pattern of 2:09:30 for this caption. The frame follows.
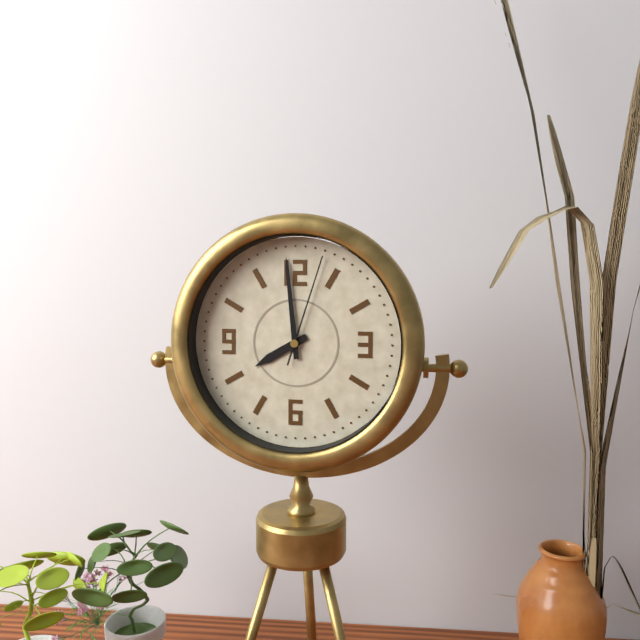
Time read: 7:59:03
